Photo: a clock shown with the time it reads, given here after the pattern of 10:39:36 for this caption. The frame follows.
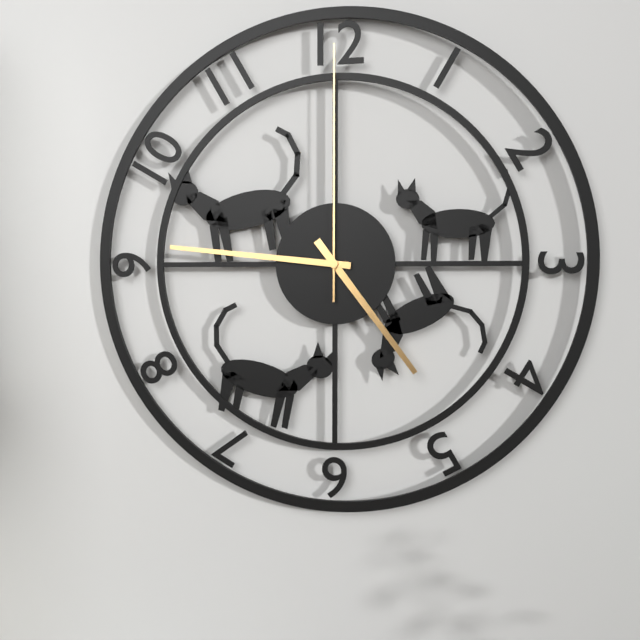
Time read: 4:46:00
